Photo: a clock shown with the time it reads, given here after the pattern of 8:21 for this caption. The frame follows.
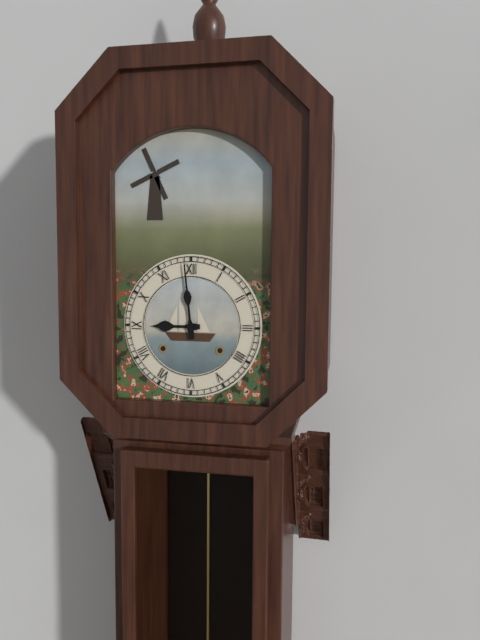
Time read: 8:59
